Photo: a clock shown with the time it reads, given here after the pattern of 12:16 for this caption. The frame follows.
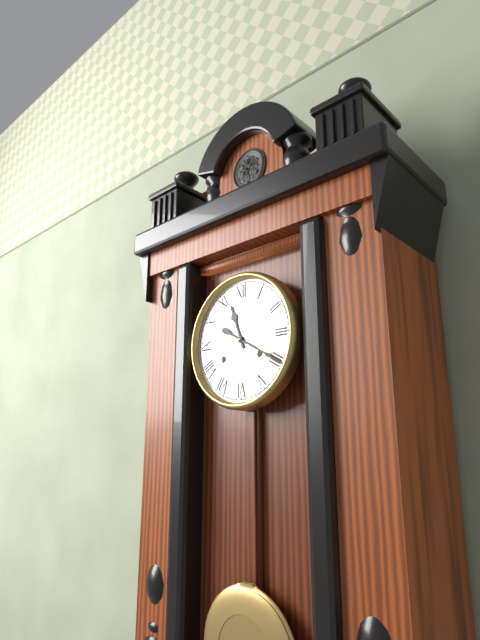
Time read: 11:20
